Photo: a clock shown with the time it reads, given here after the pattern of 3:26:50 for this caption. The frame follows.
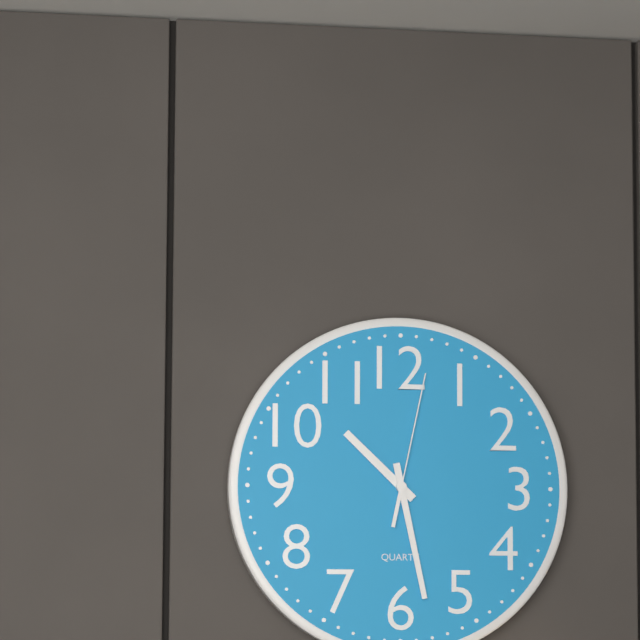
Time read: 10:28:02
